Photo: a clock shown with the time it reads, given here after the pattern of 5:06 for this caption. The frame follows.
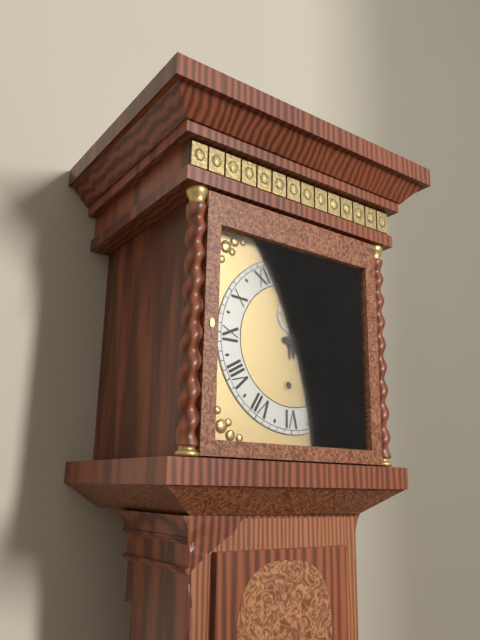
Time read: 4:00
